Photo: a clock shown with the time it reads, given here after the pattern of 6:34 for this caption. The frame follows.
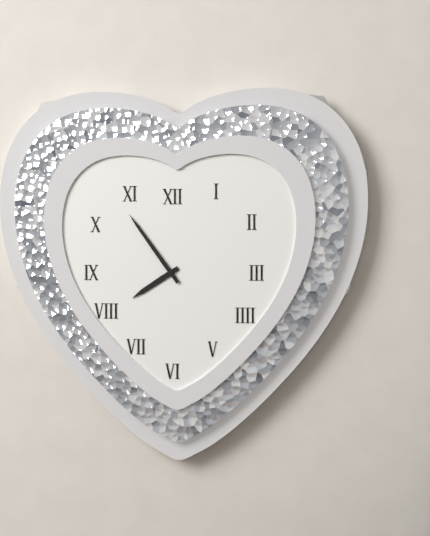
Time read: 7:54
